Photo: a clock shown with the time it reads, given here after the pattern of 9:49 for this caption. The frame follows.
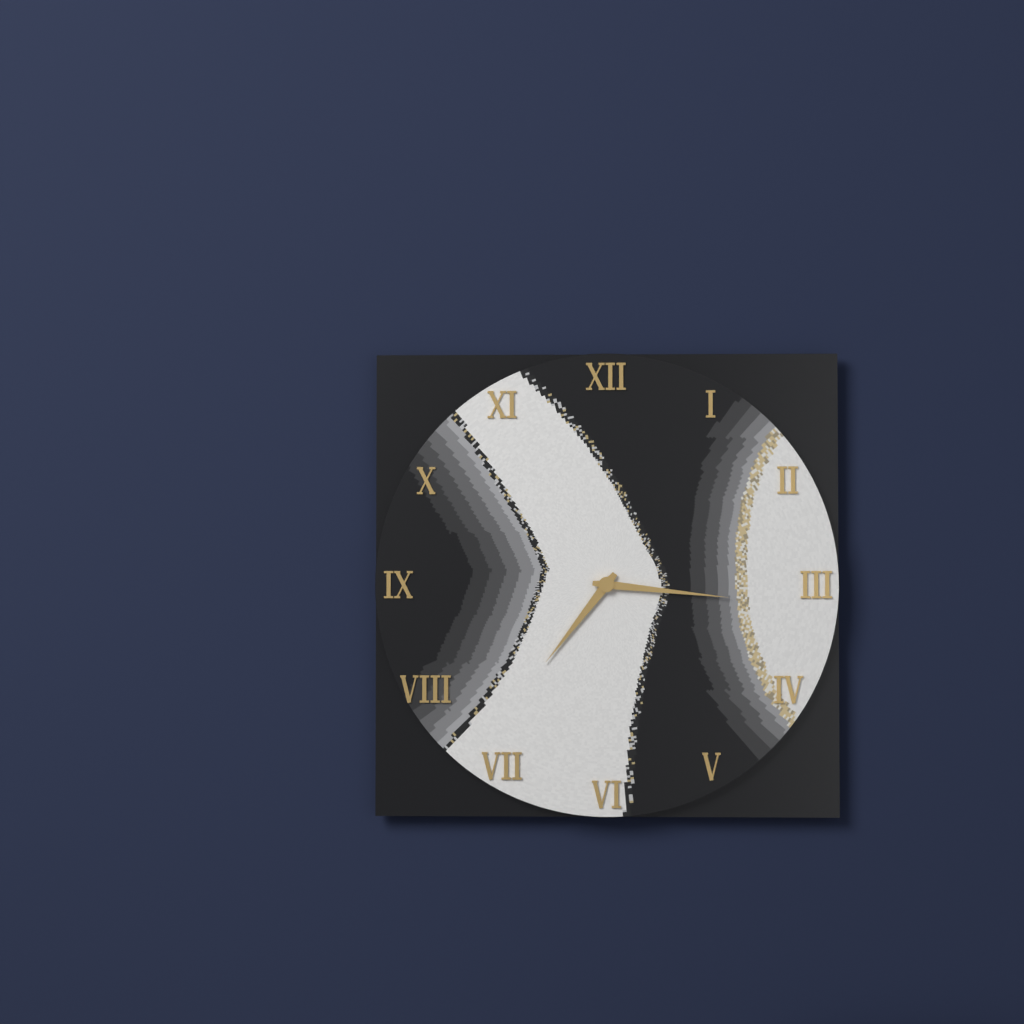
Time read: 7:16
